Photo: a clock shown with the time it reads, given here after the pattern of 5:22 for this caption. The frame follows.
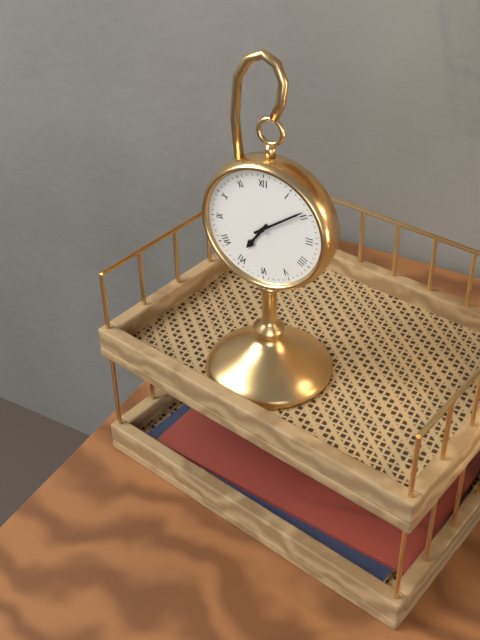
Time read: 7:09
